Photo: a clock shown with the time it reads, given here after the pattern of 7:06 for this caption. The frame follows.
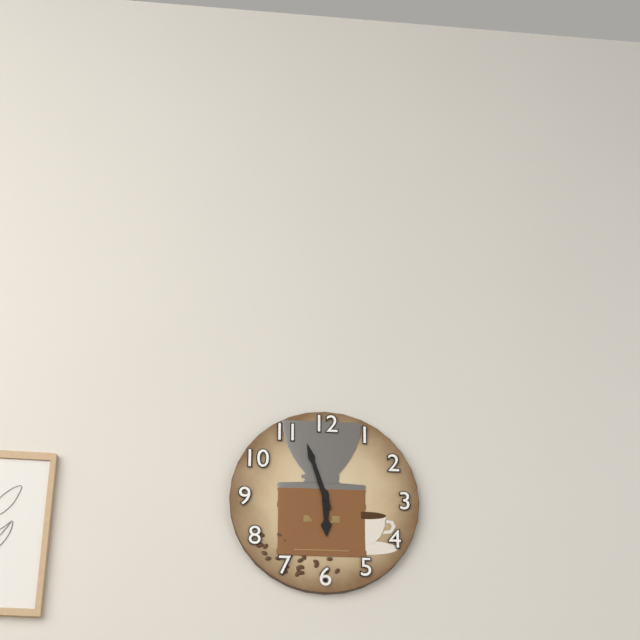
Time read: 5:57
